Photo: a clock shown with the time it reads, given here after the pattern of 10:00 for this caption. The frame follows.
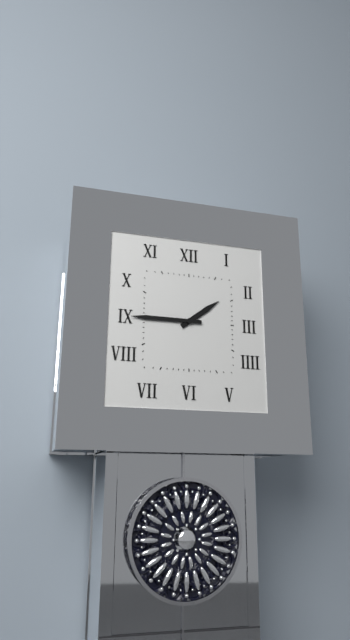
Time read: 1:45
